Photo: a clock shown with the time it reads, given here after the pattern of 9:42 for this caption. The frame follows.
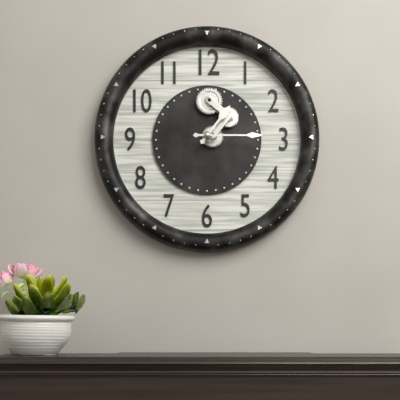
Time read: 1:15
